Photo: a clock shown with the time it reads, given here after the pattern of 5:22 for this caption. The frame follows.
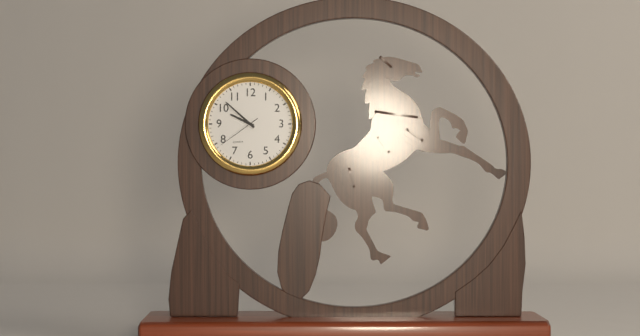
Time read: 9:52
